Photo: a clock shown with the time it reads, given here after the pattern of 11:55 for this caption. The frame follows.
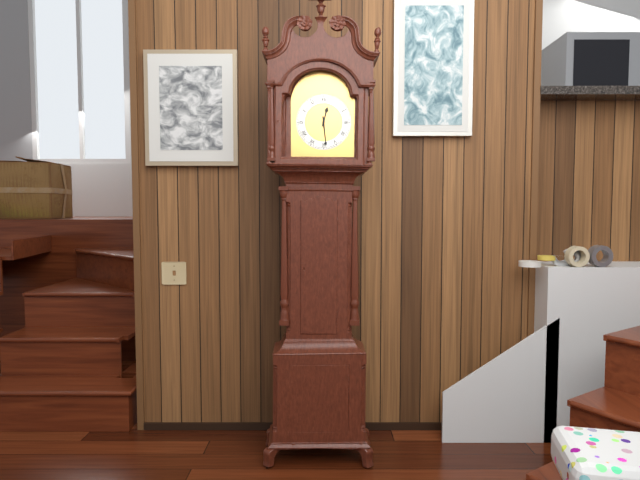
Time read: 12:29
